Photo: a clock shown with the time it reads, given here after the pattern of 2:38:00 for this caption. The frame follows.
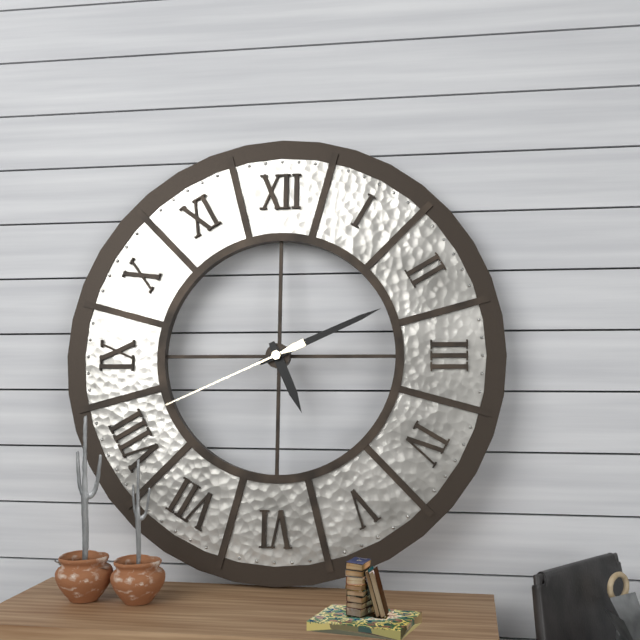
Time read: 5:11:41
